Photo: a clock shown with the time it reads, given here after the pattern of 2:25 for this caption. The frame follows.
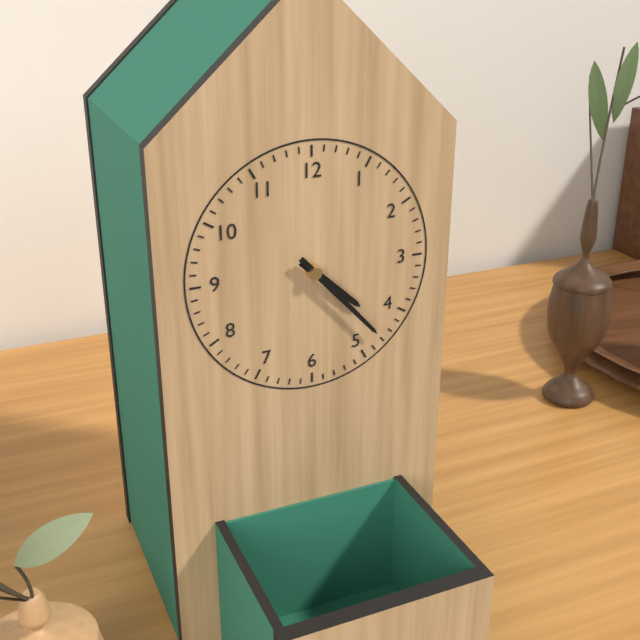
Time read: 4:23
